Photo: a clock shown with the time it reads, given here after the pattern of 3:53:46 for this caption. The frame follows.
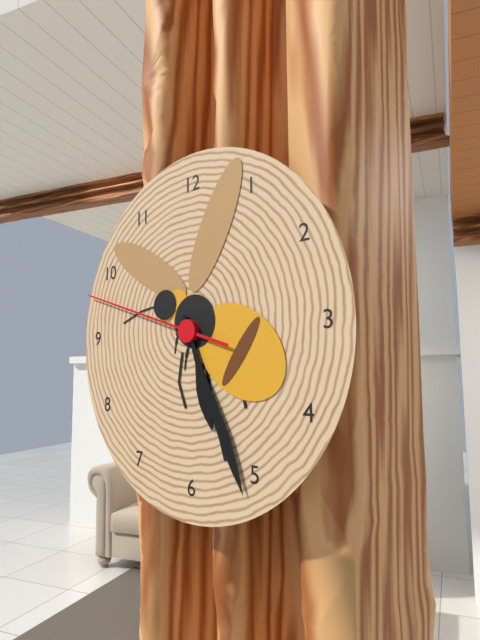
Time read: 5:26:48
